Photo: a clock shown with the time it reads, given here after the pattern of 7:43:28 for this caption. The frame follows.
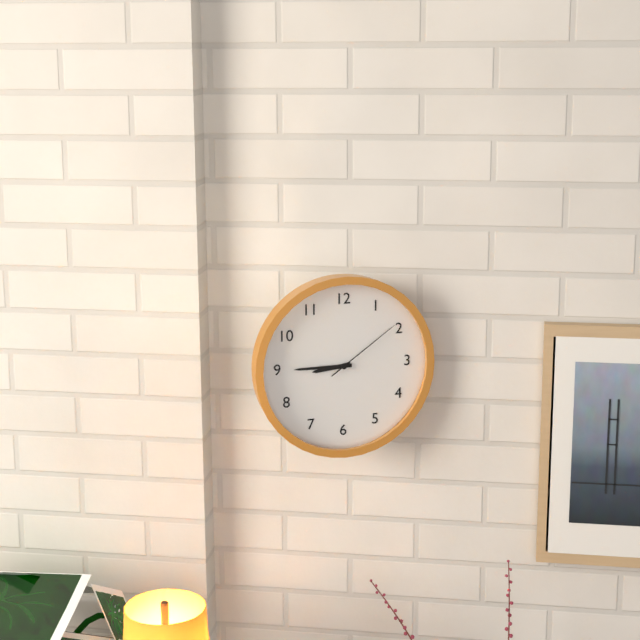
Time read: 8:45:09
